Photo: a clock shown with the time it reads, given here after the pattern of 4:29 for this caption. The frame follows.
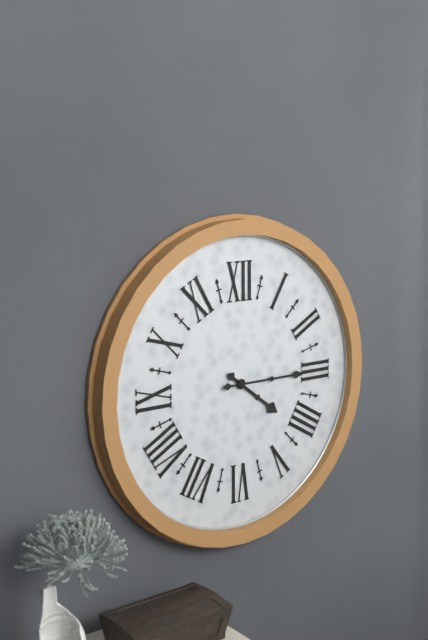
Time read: 4:15
